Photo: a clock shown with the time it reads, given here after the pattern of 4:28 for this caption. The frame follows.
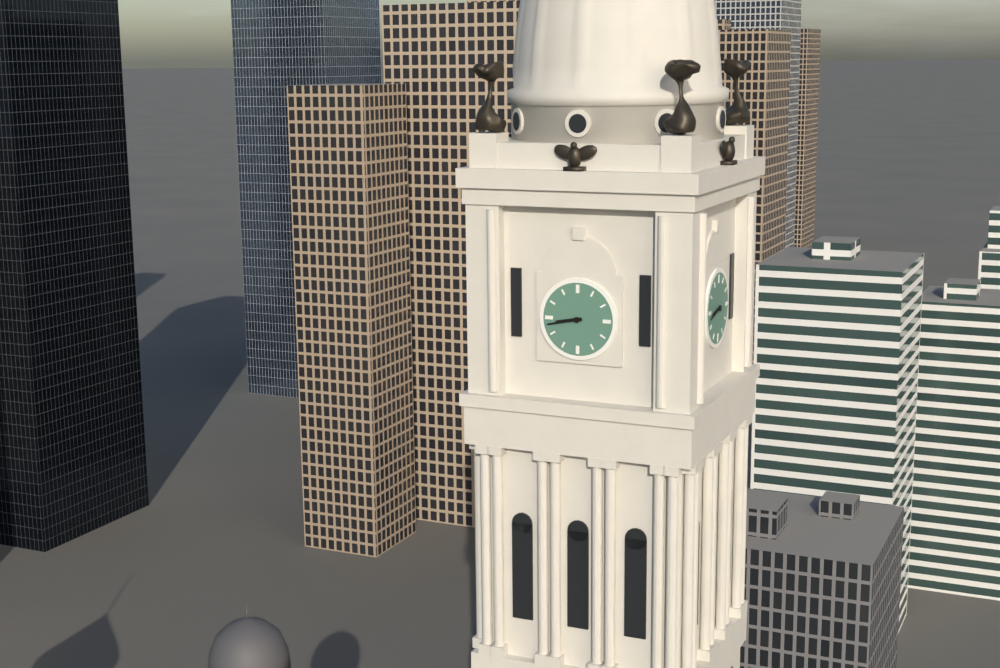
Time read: 8:43
